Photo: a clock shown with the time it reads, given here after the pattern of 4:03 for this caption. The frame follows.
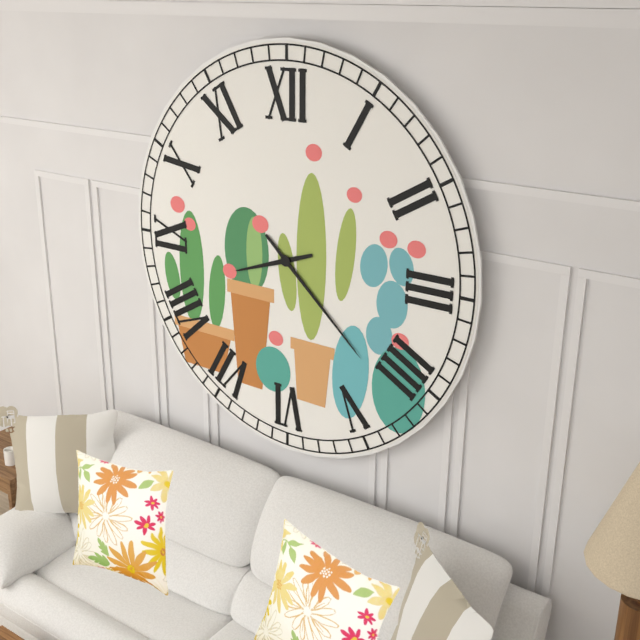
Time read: 8:22
